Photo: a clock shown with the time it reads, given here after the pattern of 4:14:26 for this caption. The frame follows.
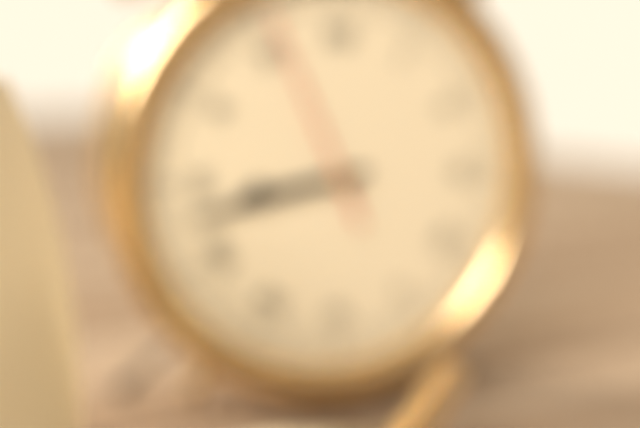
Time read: 8:43:56
